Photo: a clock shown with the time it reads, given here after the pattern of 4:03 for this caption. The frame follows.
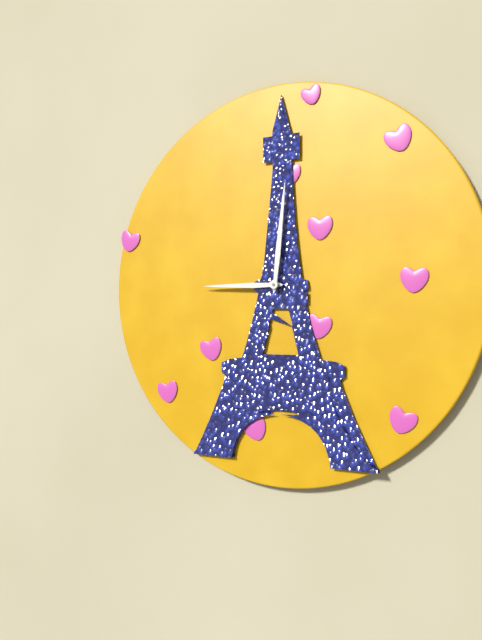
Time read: 9:01
